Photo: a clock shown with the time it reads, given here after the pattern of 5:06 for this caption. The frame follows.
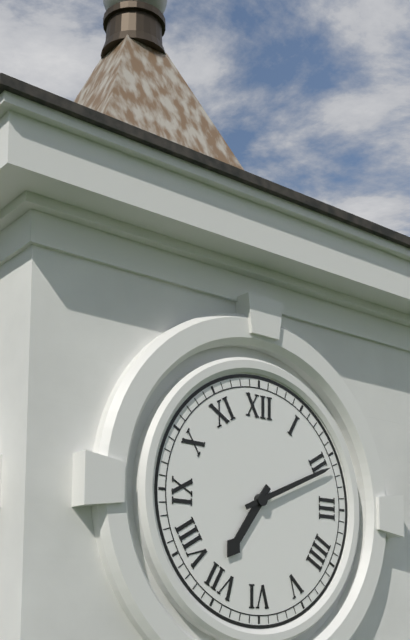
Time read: 7:11
